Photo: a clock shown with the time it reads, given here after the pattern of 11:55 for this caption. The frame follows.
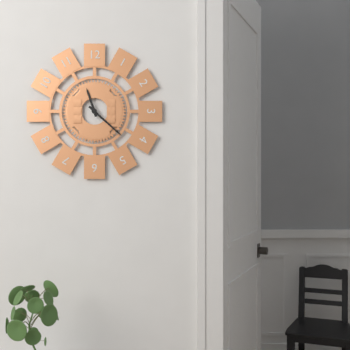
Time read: 11:22
